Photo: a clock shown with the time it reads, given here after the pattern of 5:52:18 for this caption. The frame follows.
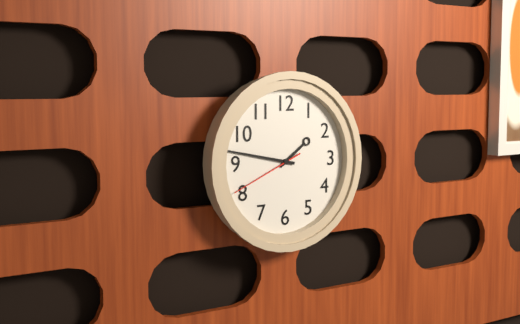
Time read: 1:47:41
